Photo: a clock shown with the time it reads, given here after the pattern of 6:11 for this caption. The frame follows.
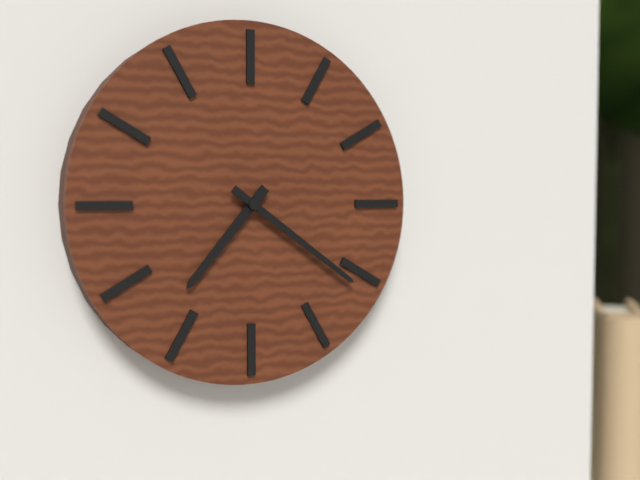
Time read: 7:21
